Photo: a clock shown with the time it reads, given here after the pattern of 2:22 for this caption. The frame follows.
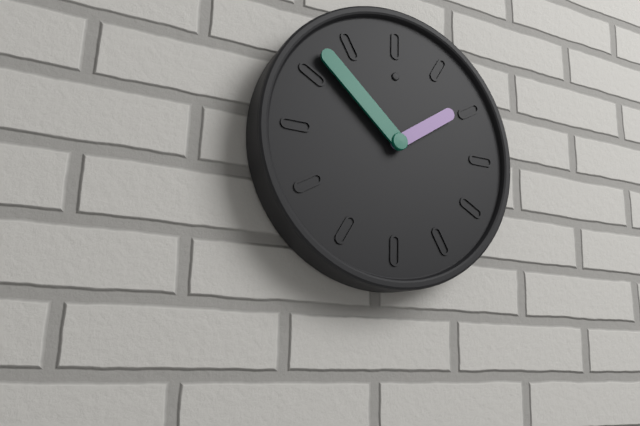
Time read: 1:52
